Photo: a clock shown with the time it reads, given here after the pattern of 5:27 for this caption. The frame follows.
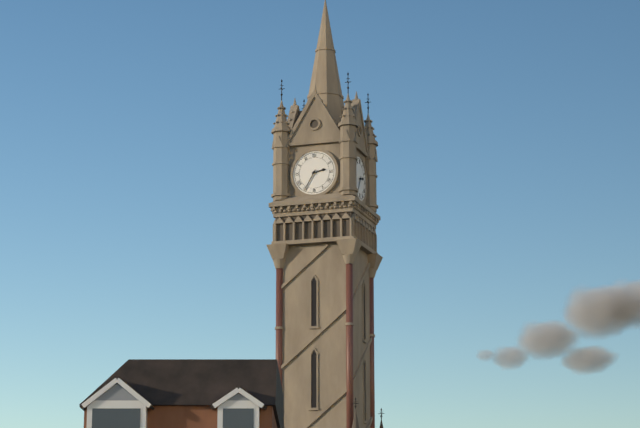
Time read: 2:35
